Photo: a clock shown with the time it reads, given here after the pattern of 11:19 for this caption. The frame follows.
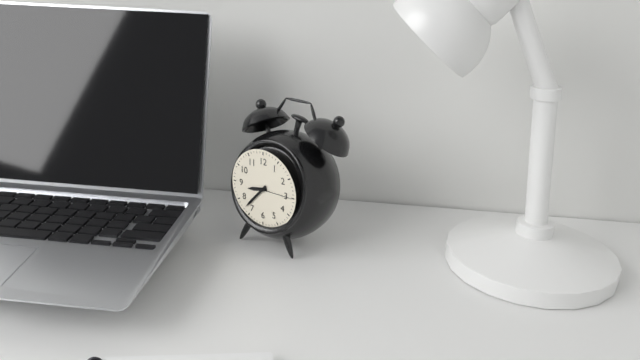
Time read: 8:37
